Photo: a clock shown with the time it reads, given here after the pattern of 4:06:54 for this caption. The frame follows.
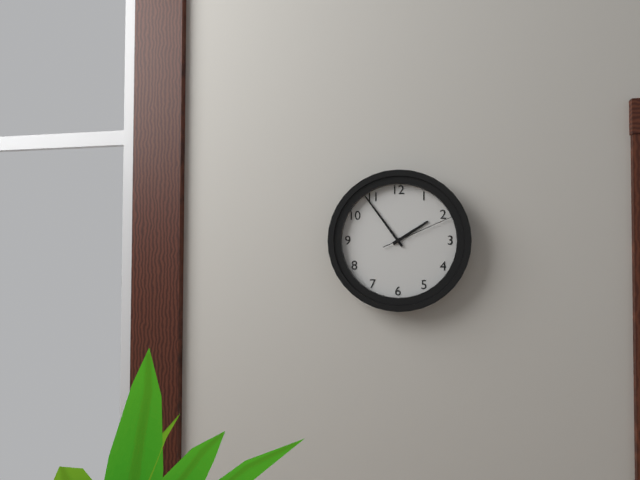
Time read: 1:54:11
